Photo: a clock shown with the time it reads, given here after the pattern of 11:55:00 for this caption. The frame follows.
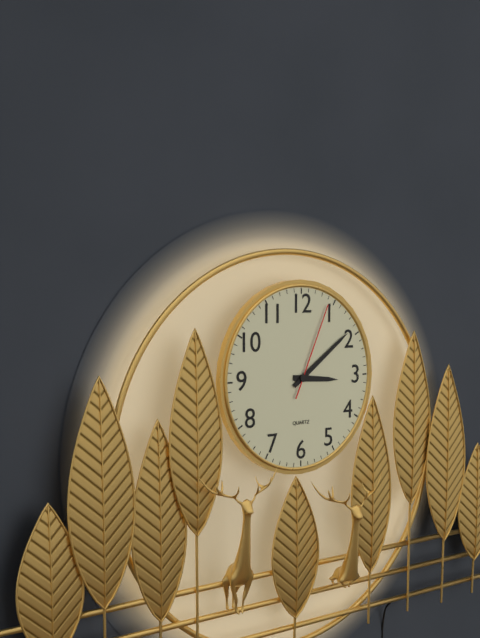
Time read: 3:09:04
